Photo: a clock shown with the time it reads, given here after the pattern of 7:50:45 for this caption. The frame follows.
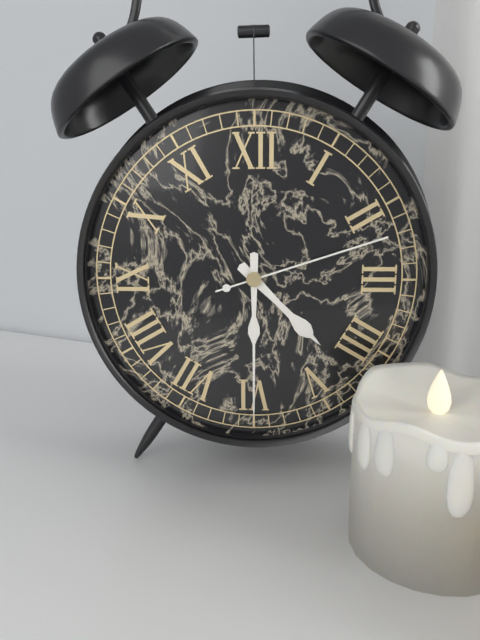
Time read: 4:30:12
